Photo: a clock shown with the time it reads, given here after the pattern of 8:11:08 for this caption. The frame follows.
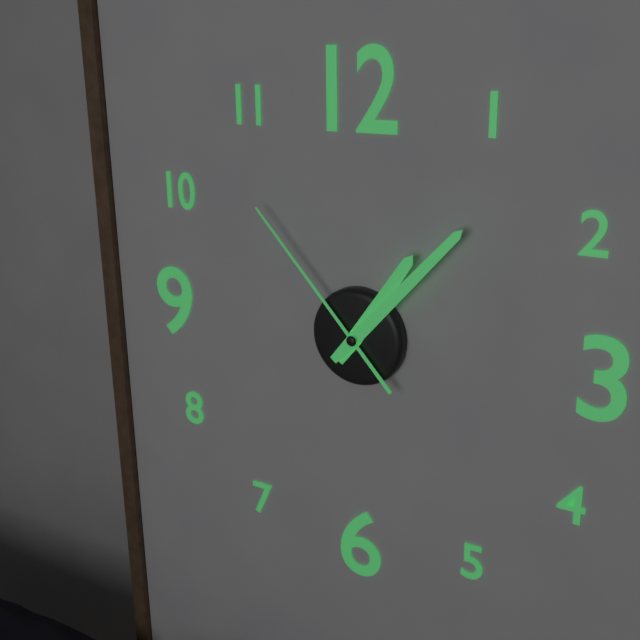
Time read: 1:07:53
